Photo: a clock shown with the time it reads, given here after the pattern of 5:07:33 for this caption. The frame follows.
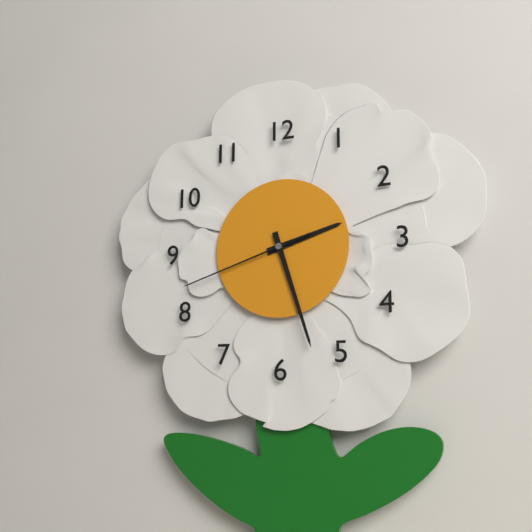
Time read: 2:27:42
